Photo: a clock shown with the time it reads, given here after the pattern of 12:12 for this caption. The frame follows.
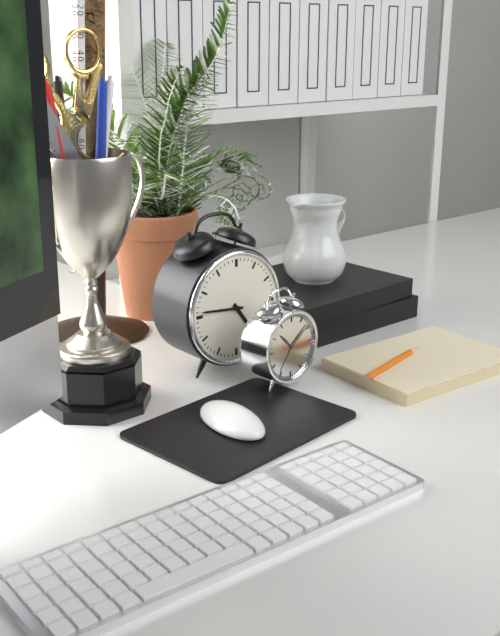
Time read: 4:46
